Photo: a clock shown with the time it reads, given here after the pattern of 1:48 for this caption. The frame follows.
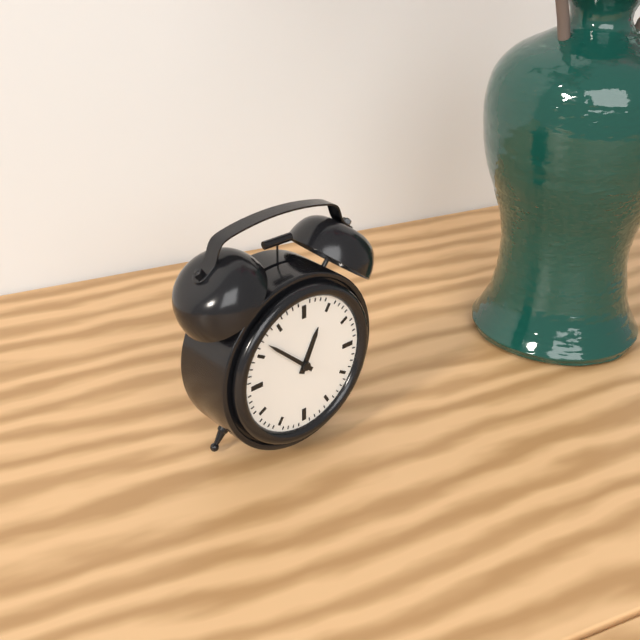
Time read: 12:52
